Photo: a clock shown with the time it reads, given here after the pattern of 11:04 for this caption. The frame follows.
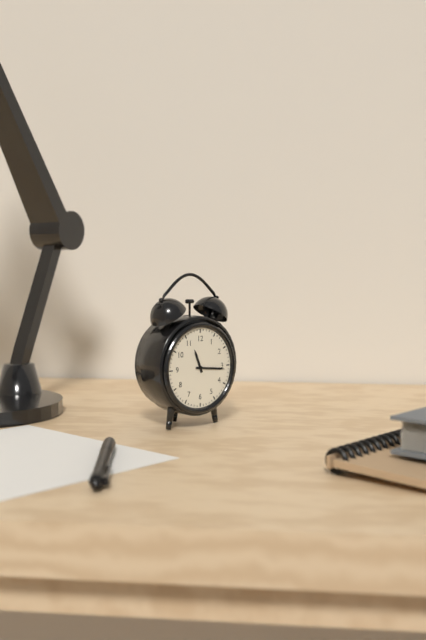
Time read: 11:16
